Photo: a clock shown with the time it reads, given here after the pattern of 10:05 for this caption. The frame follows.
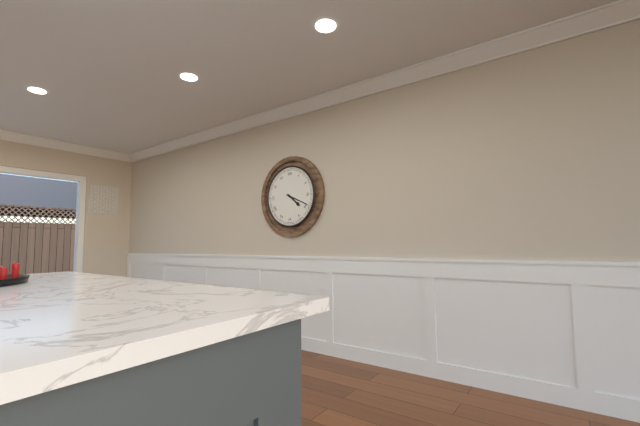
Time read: 4:19
